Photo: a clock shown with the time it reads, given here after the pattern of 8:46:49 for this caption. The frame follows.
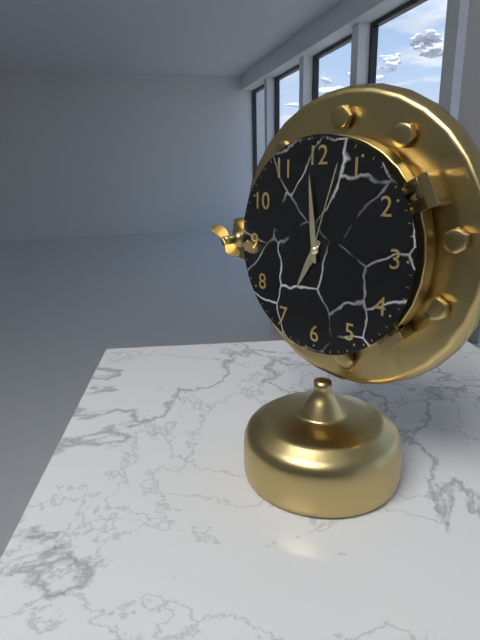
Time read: 6:59:03
